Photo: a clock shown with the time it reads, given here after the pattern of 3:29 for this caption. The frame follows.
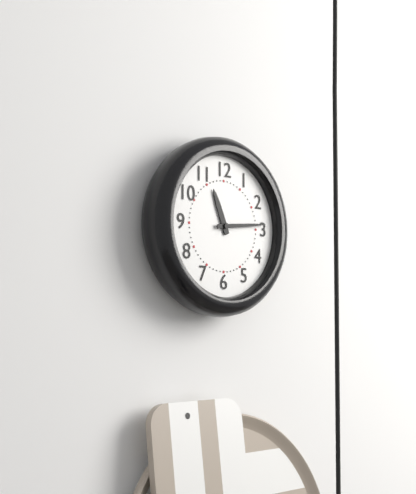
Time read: 11:14
